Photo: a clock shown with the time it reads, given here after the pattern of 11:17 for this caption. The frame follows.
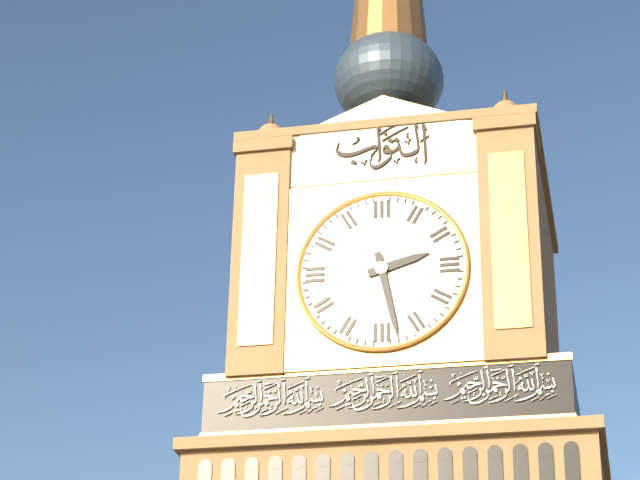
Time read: 2:28
